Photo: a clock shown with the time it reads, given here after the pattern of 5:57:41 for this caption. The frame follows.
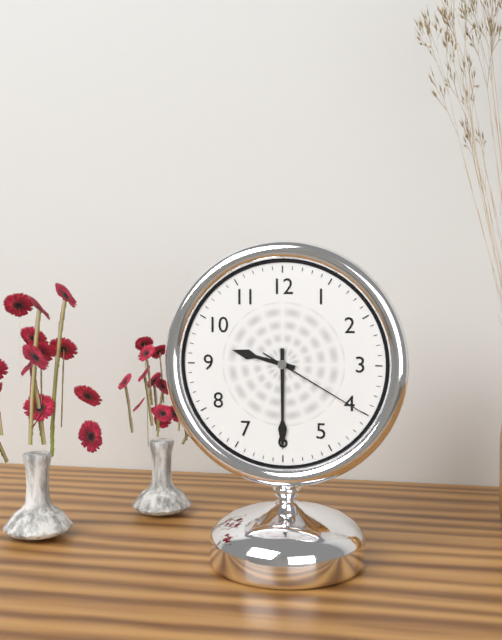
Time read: 9:30:20
